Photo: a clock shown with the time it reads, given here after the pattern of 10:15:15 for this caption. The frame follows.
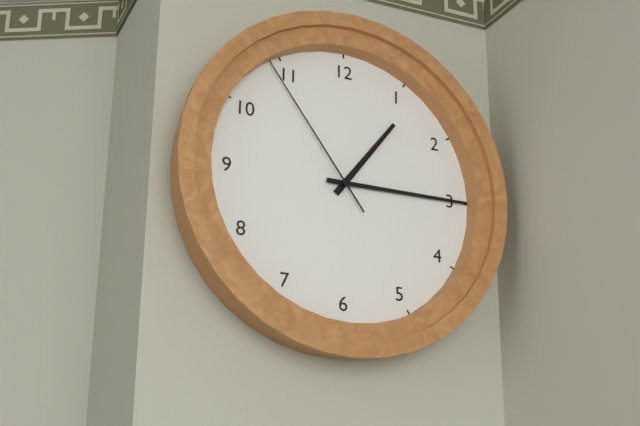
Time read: 1:15:54
